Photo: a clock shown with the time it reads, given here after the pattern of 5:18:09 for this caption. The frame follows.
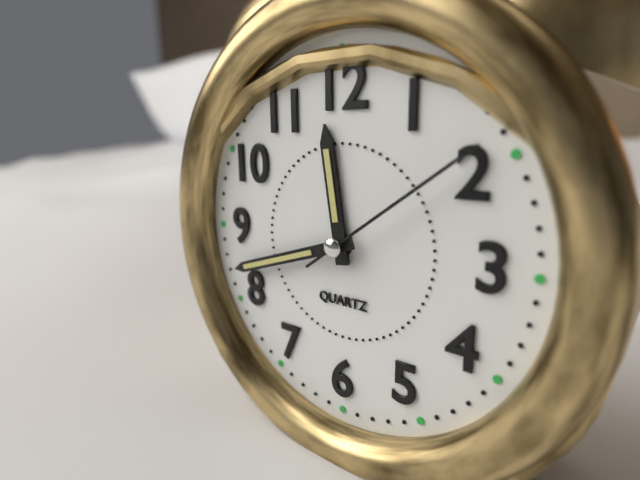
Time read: 11:42:09
